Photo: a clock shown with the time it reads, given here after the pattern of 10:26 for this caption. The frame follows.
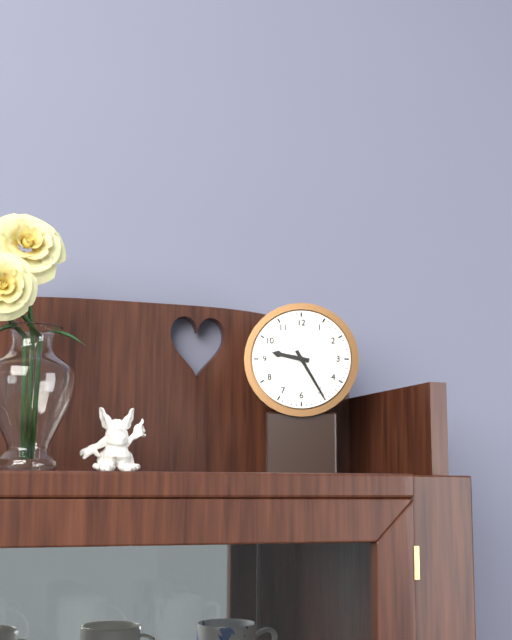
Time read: 9:25
